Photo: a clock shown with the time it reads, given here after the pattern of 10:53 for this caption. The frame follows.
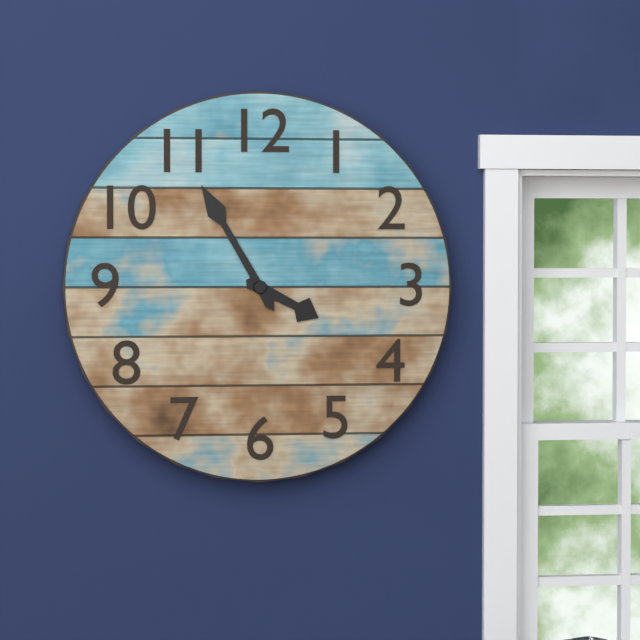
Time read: 3:55
